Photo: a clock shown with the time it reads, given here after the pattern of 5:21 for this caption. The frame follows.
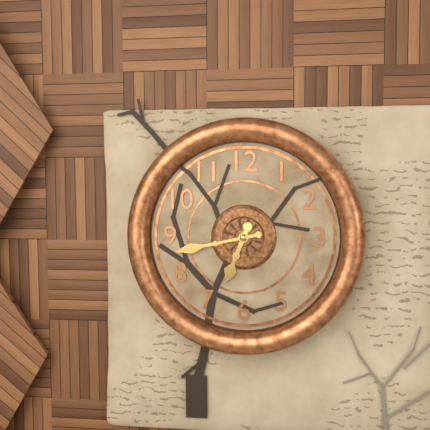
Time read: 6:43
